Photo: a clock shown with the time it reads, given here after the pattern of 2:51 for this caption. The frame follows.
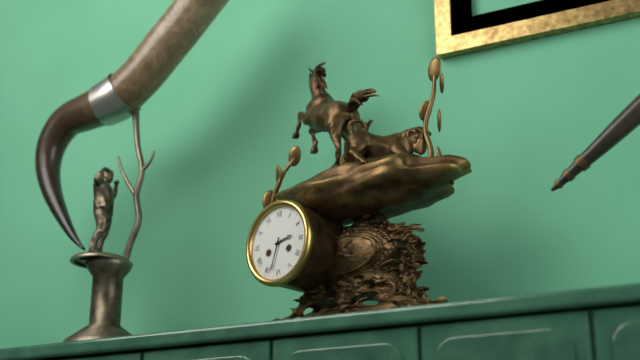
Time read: 2:33
